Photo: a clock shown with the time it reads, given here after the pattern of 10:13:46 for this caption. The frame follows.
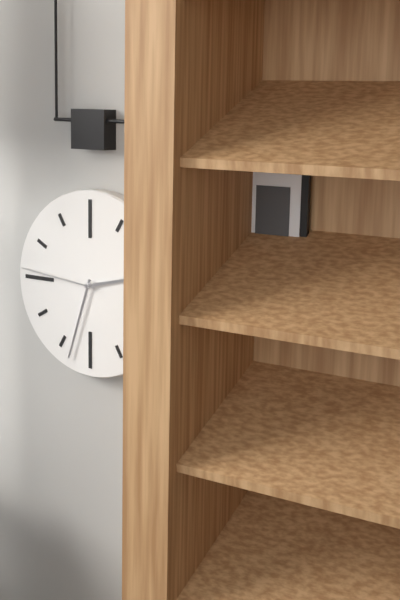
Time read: 2:33:46
